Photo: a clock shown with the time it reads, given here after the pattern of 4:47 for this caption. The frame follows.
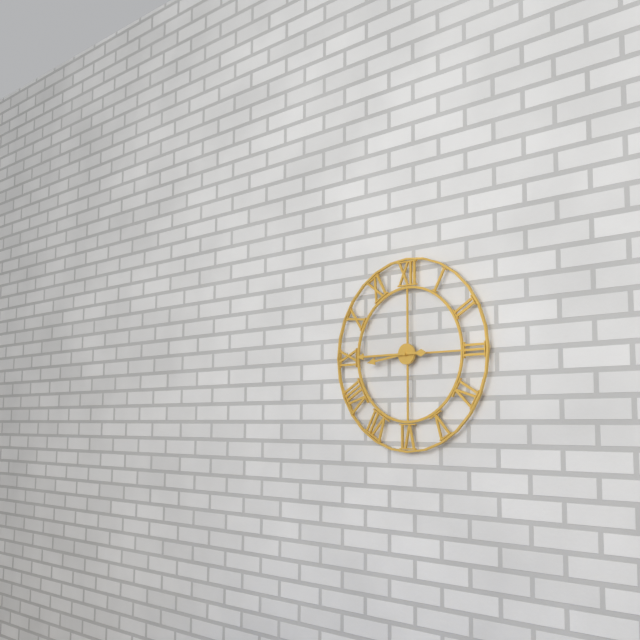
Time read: 8:45
